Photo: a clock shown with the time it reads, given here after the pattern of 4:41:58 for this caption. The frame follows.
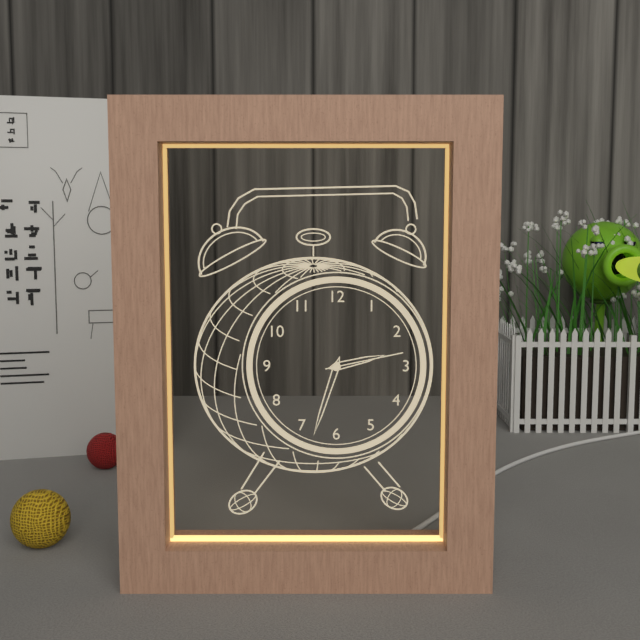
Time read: 2:33:13
